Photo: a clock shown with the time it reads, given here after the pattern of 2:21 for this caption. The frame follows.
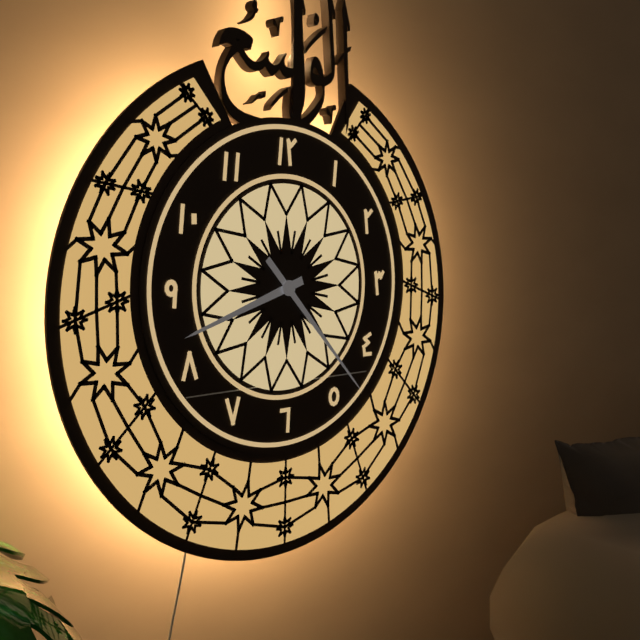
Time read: 8:23
